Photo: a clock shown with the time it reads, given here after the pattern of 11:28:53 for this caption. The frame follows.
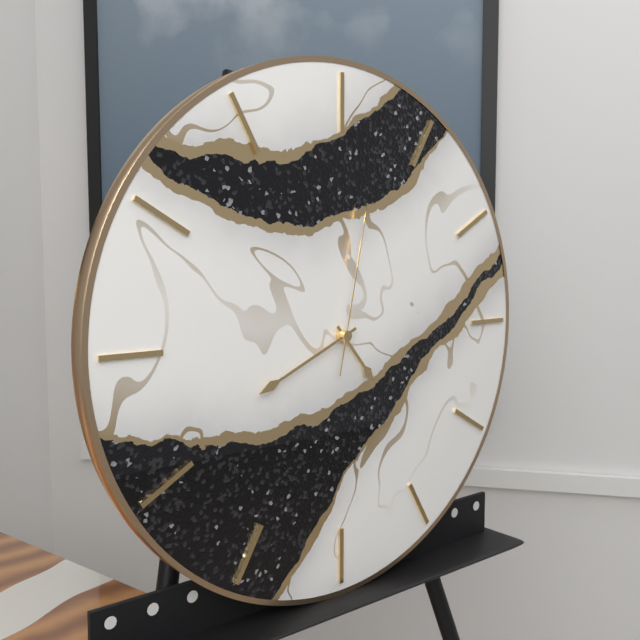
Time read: 4:41:02
